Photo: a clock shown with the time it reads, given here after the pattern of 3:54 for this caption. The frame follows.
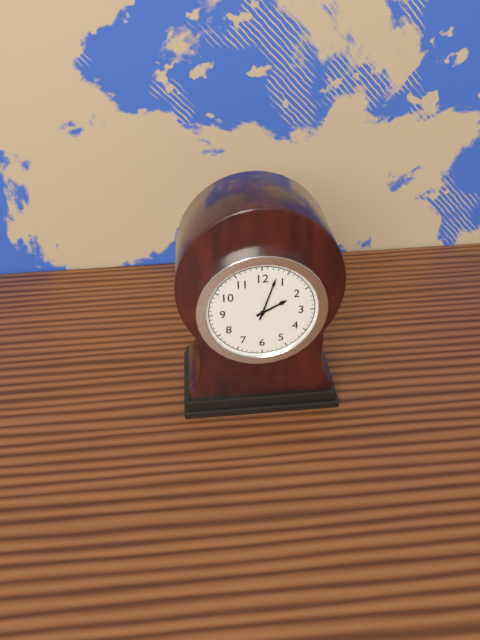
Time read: 2:03
